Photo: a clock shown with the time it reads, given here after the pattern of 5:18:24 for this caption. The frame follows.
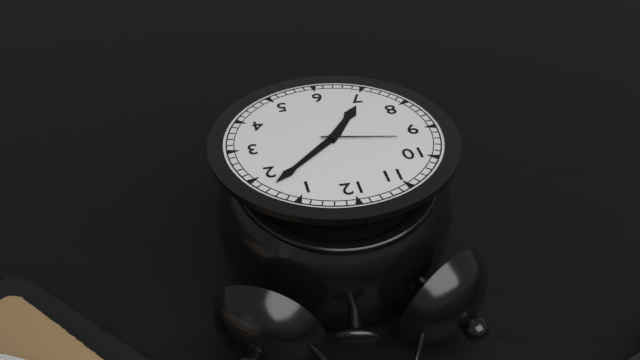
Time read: 7:08:47
